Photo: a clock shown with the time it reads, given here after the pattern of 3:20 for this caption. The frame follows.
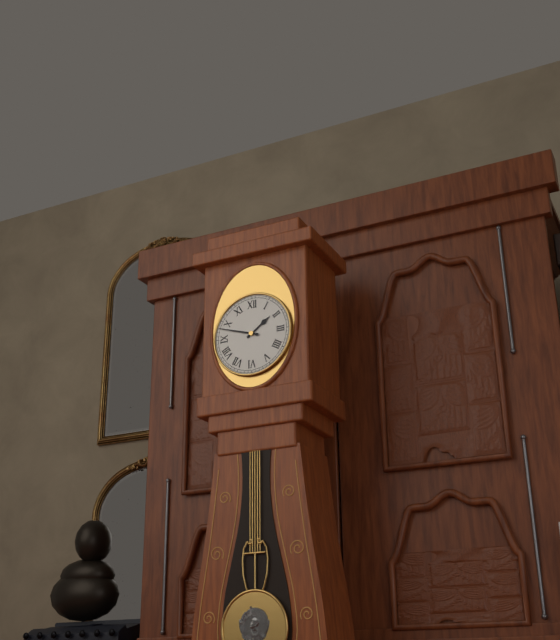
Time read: 1:48
